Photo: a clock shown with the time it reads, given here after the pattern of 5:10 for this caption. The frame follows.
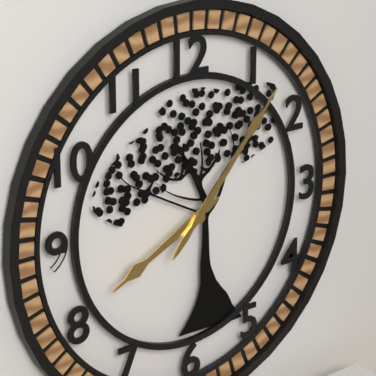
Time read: 8:07
